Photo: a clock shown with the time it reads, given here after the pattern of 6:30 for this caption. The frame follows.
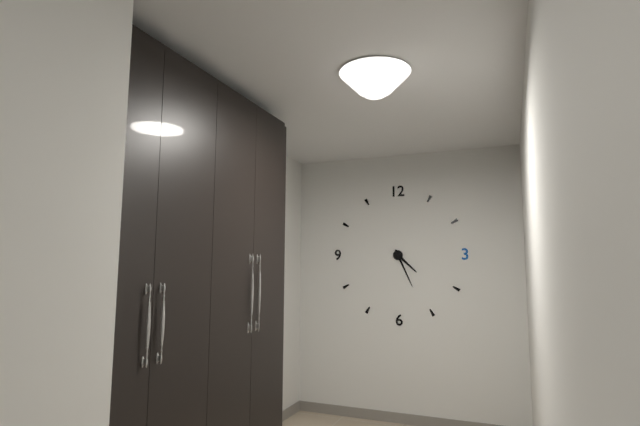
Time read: 4:26
